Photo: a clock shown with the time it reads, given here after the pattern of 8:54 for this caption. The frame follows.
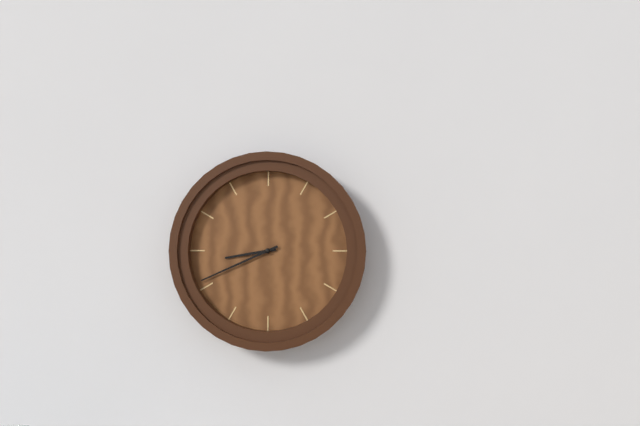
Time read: 8:41
